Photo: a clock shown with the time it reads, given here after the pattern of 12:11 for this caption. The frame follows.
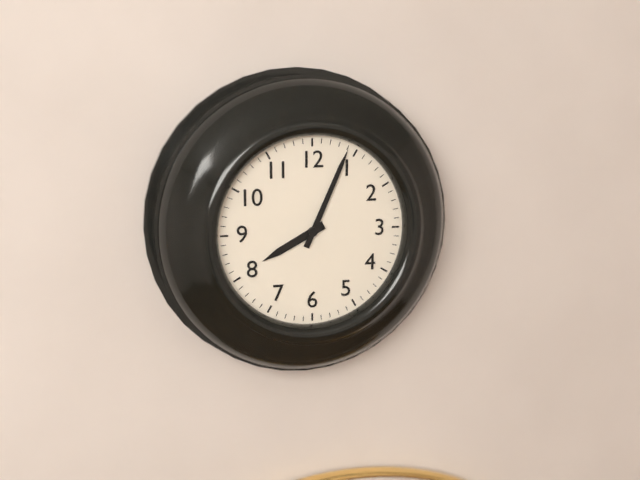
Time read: 8:04
